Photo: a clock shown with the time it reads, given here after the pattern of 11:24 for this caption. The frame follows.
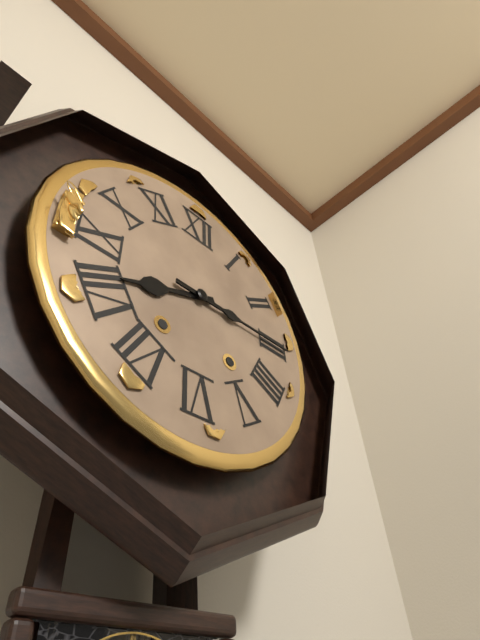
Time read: 8:15
